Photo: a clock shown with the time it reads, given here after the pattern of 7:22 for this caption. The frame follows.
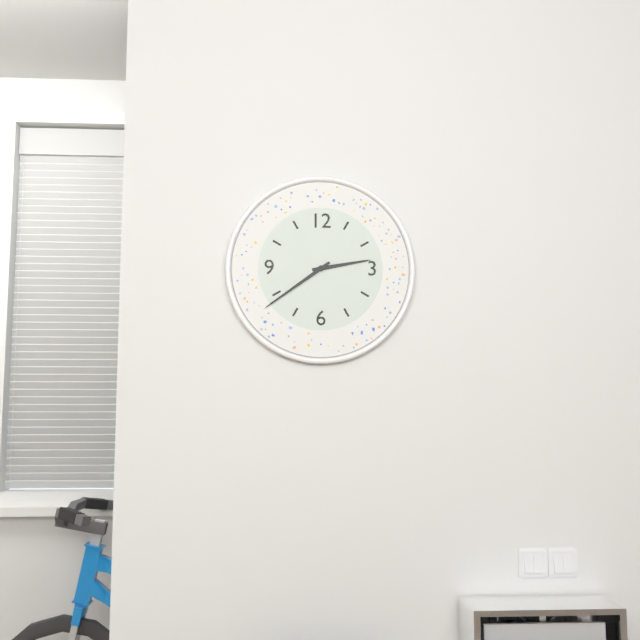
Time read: 2:39
